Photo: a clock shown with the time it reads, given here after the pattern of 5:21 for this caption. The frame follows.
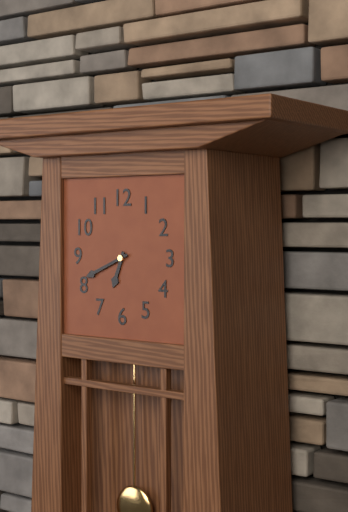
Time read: 6:41
